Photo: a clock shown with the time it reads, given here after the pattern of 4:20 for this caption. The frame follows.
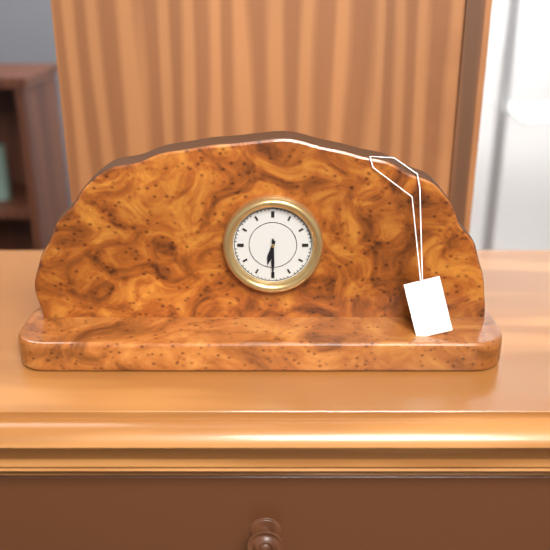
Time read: 6:30
